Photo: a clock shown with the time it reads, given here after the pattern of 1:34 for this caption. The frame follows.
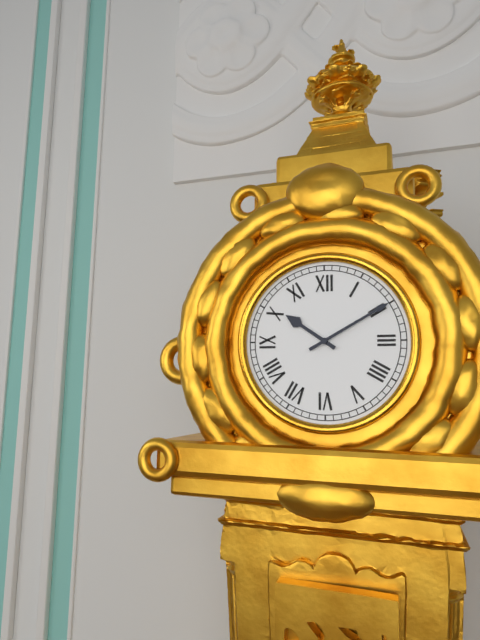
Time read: 10:10
